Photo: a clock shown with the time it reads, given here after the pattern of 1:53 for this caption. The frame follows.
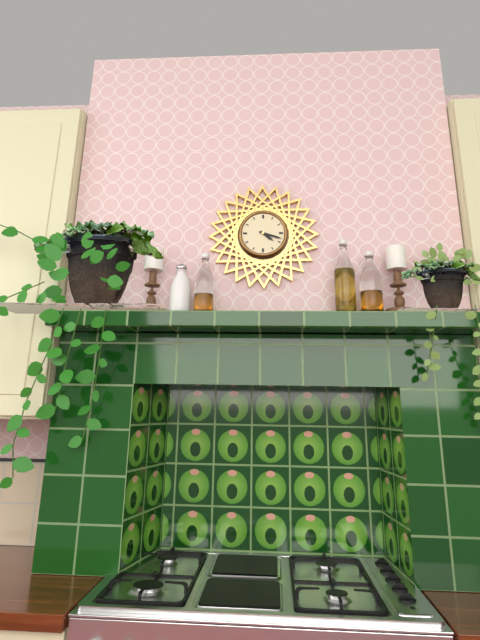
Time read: 4:18
